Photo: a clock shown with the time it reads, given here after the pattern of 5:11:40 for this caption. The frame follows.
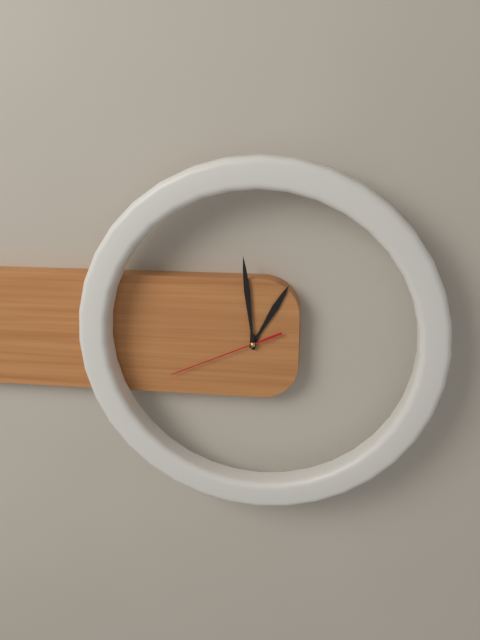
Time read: 12:59:41
